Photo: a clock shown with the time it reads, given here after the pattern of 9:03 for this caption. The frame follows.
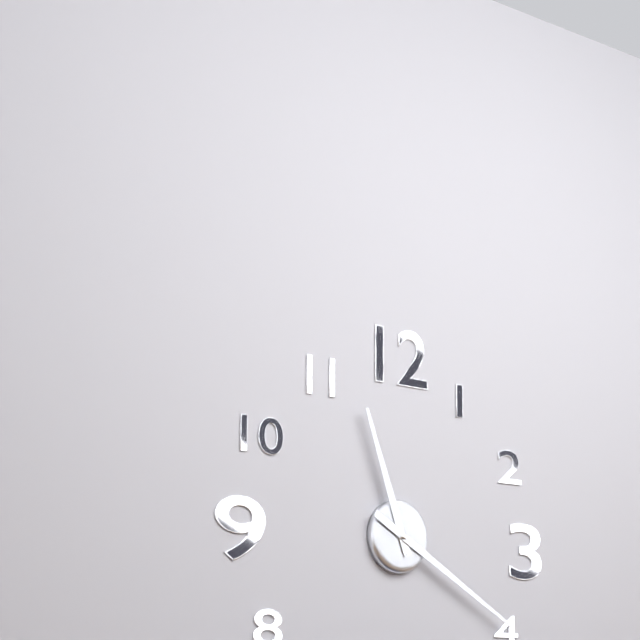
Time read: 11:20
